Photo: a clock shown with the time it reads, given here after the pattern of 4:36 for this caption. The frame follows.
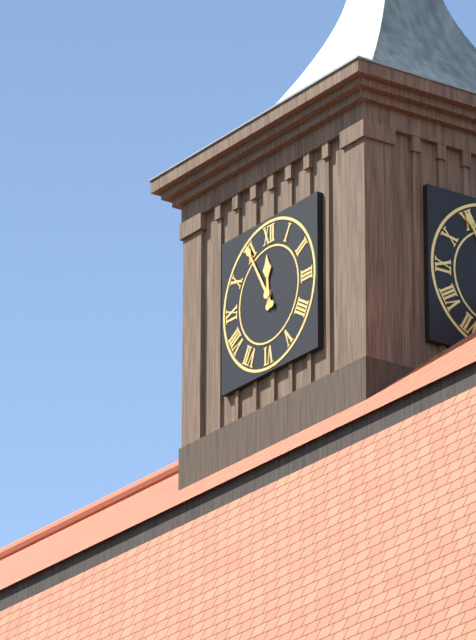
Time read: 11:55
